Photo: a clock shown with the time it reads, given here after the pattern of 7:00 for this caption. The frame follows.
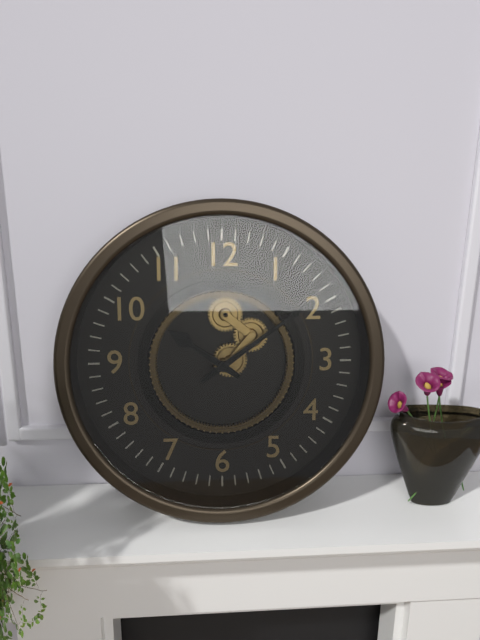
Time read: 10:09
